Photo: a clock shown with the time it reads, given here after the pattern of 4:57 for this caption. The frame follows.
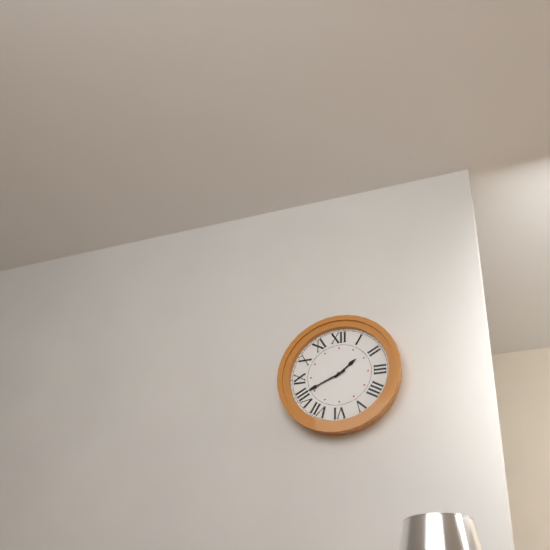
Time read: 1:41
